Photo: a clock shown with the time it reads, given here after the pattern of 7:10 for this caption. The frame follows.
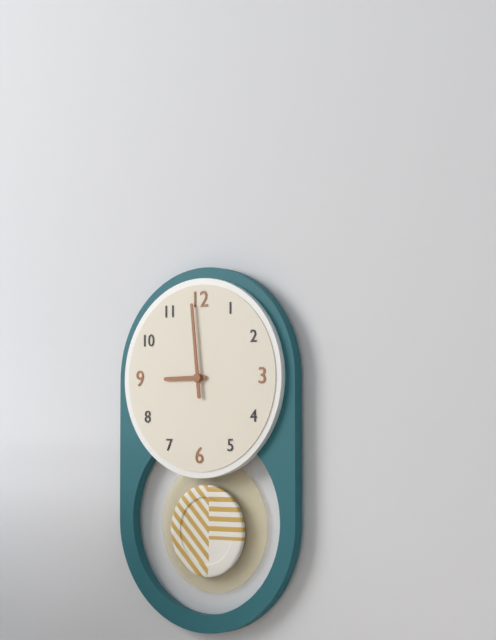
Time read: 8:59
